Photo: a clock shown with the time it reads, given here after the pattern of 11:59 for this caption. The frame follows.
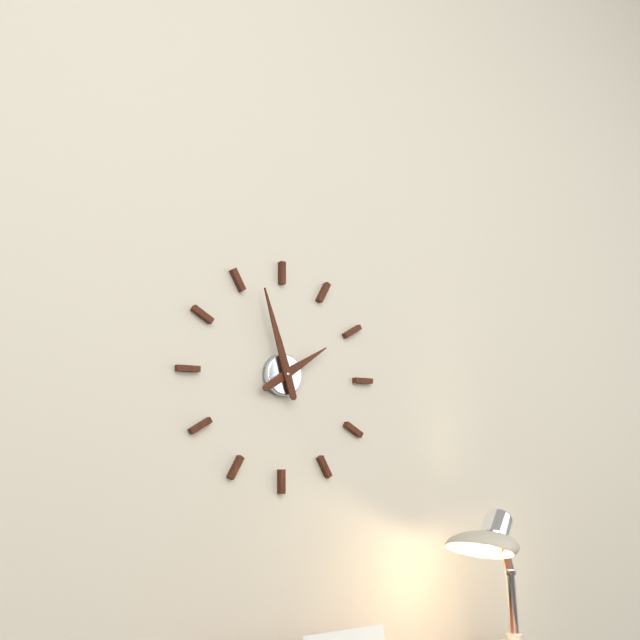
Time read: 1:57
